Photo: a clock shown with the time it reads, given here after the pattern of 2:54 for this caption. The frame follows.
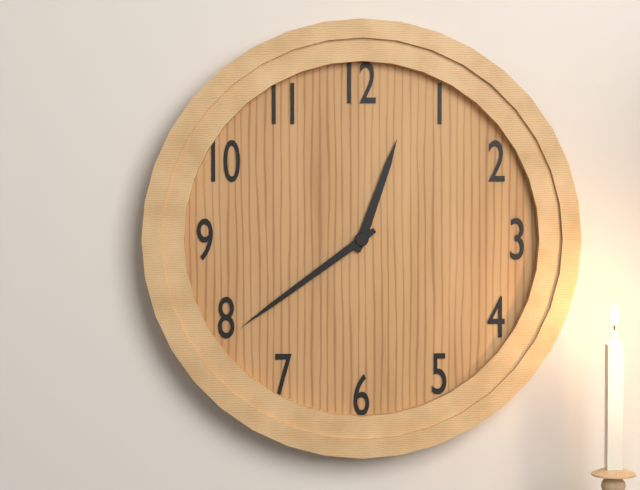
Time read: 12:39
